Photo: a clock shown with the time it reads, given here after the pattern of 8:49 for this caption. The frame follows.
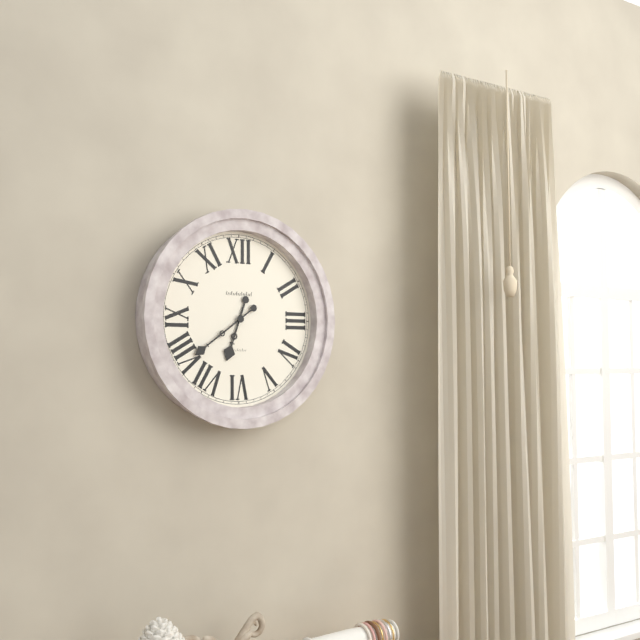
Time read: 6:39
